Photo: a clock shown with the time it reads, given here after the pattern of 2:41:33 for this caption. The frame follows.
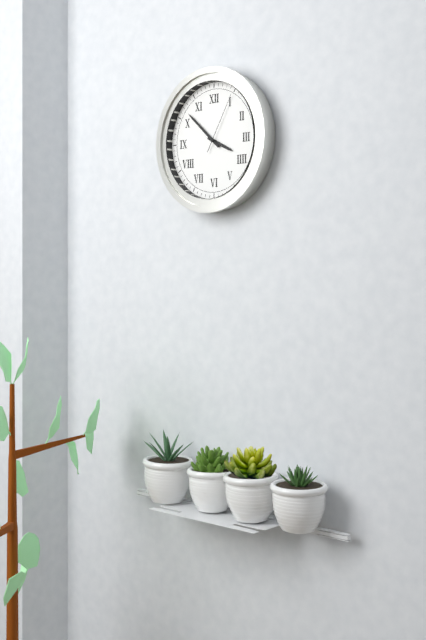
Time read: 3:52:05
